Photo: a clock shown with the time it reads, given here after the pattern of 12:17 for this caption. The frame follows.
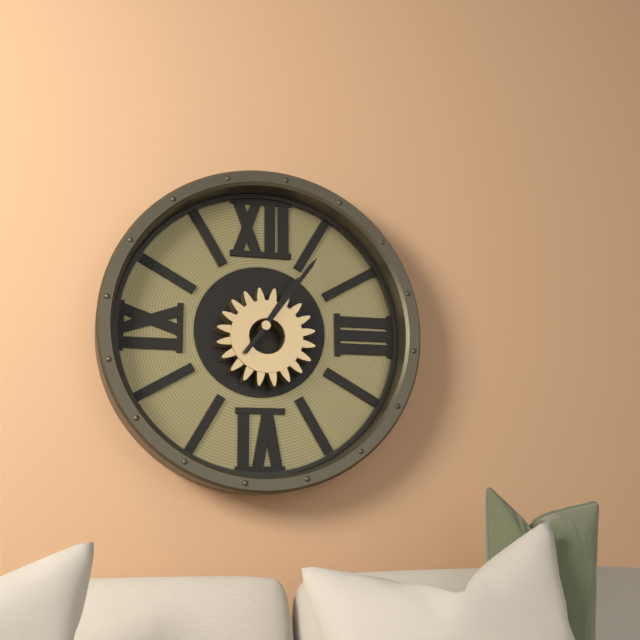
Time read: 1:06
